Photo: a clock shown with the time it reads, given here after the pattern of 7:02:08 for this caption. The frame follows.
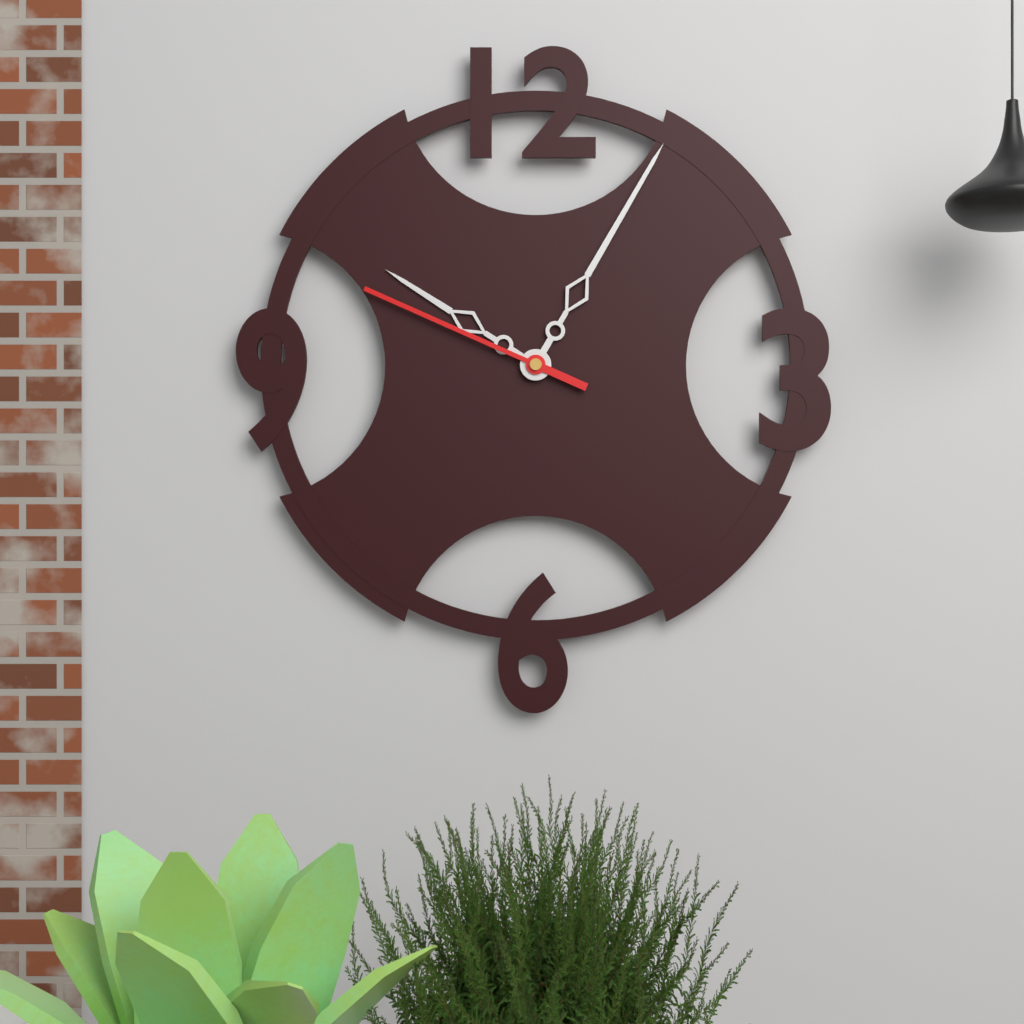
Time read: 10:05:49
